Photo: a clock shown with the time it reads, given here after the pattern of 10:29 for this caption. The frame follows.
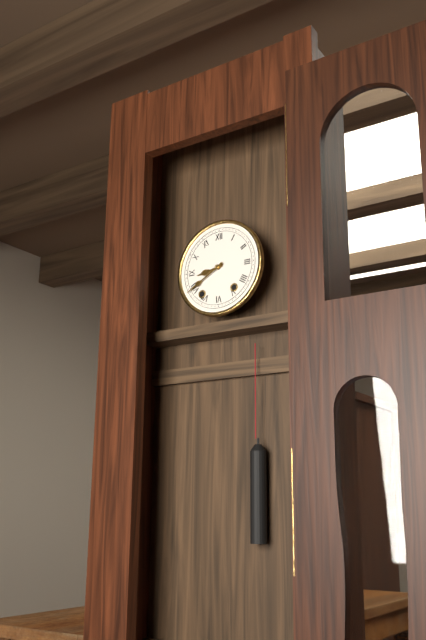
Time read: 8:40
